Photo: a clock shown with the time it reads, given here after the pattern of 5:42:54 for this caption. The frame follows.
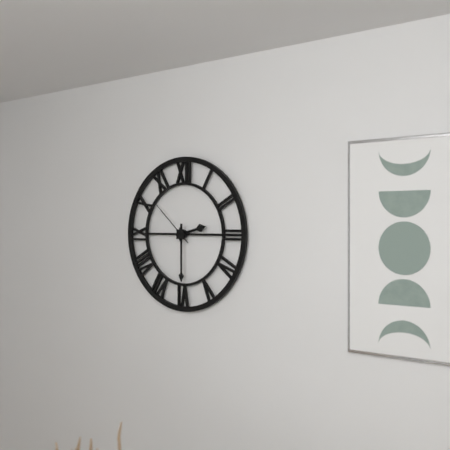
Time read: 2:30:52
